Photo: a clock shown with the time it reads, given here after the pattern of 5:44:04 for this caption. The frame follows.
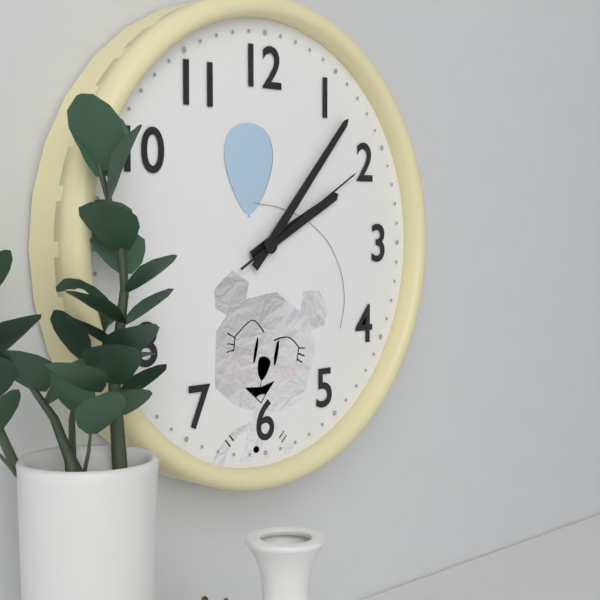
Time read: 2:07:10
